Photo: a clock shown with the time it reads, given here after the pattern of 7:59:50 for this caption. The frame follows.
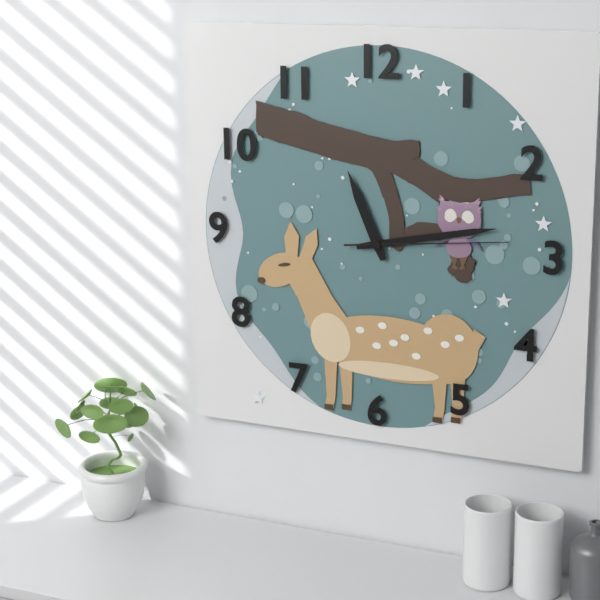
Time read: 11:13:14
